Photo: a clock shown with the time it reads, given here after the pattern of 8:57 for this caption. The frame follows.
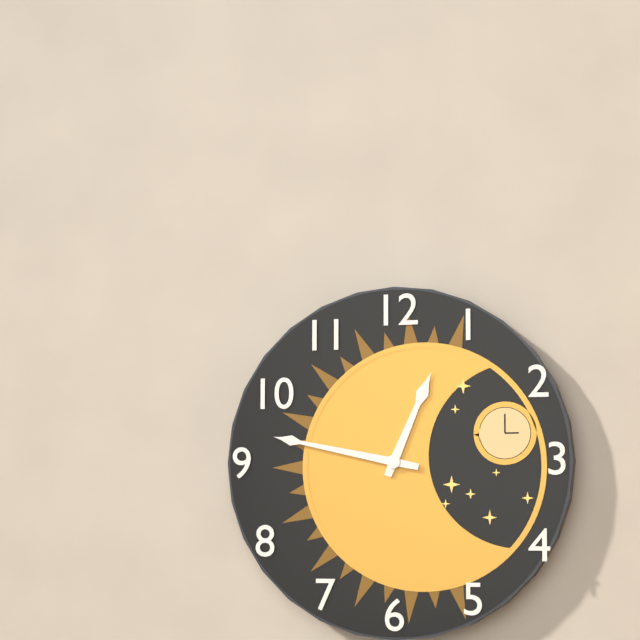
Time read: 12:47
